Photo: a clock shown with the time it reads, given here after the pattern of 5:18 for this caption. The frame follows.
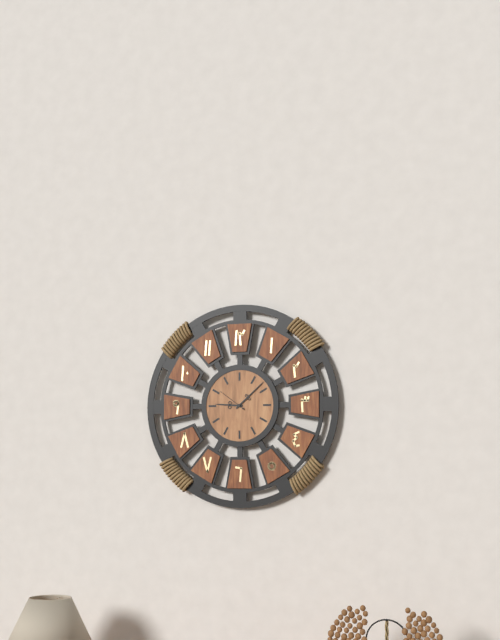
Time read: 9:08
